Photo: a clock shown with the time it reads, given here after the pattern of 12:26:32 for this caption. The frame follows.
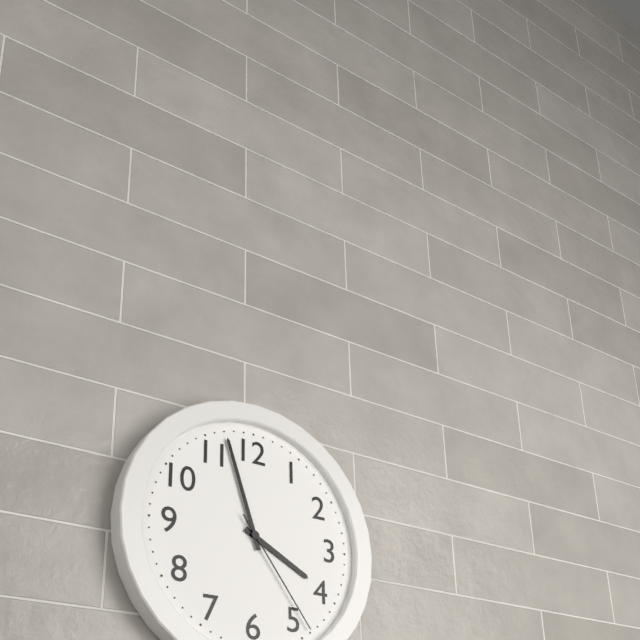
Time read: 3:57:24
